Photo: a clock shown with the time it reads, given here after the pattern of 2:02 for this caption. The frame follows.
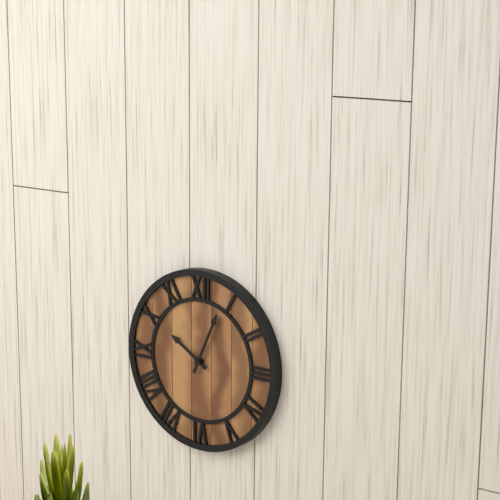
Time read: 10:04
